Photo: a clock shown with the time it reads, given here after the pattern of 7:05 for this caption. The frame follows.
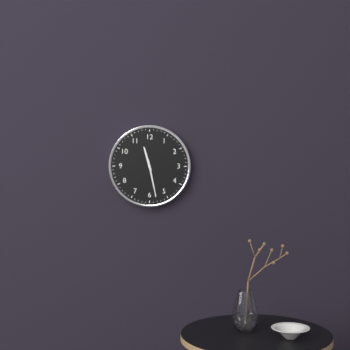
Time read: 11:28
